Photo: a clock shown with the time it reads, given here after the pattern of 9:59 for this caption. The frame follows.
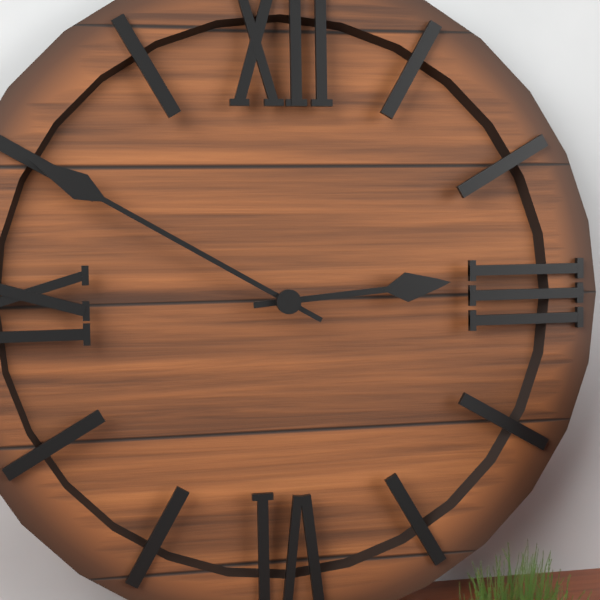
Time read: 2:50
